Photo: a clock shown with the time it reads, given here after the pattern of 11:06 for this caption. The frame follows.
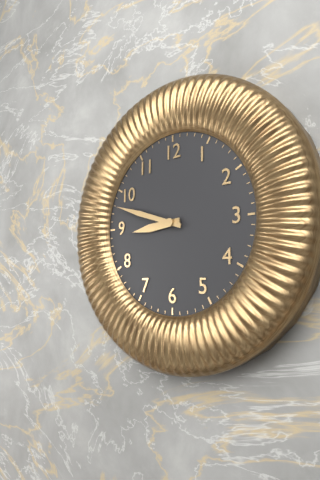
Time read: 8:48
